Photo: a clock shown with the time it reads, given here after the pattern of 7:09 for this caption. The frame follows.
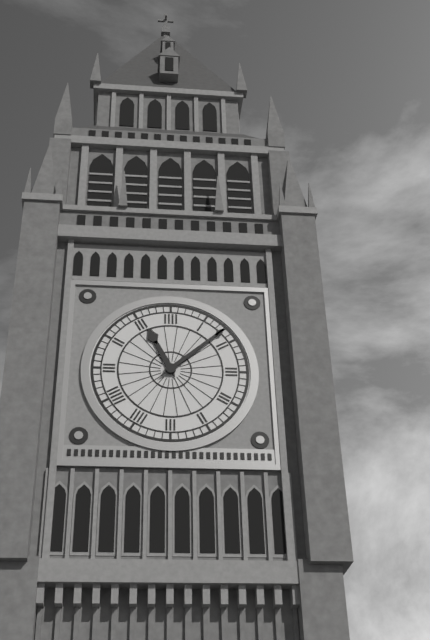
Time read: 11:08
